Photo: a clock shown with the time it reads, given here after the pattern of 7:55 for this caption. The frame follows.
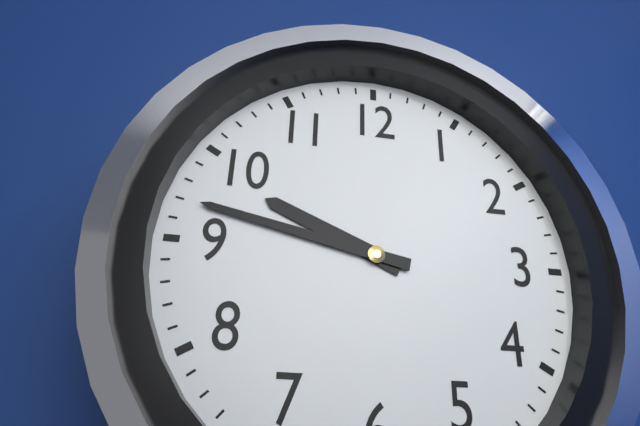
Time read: 9:47
